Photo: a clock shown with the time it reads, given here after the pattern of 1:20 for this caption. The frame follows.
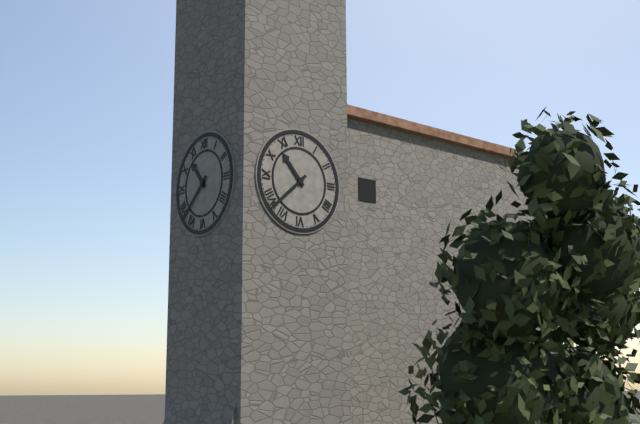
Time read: 10:38
